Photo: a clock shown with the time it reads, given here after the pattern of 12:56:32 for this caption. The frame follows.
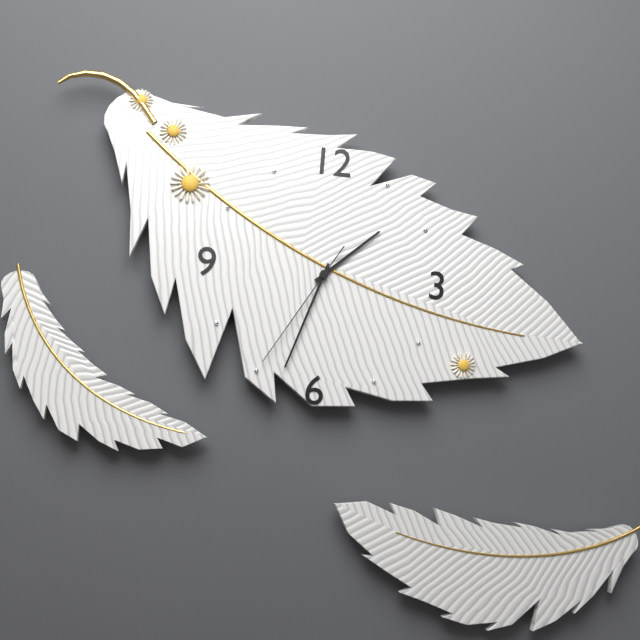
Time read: 1:33:35
